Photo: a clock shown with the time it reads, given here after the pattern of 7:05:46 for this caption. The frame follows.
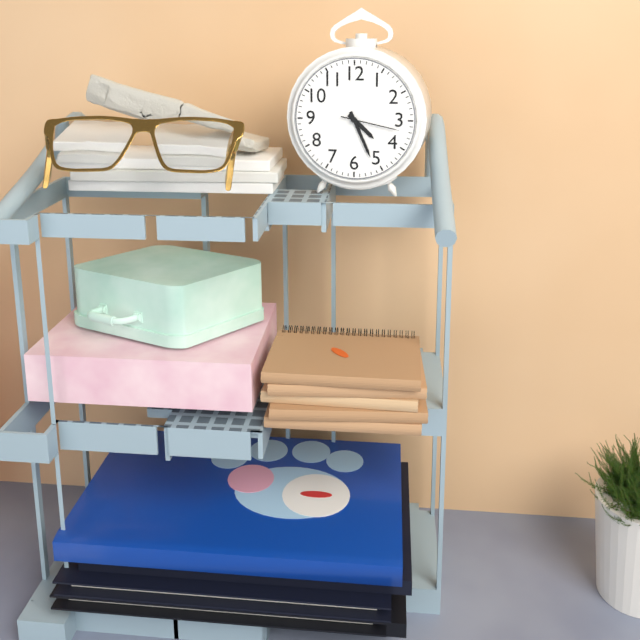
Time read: 4:26:17
